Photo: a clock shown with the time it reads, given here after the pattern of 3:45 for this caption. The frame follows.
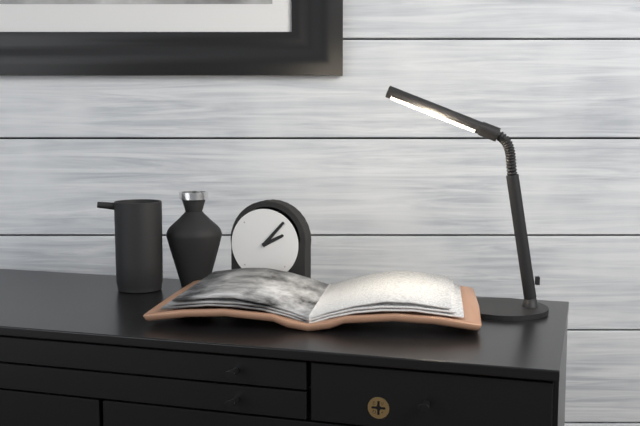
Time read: 2:07
